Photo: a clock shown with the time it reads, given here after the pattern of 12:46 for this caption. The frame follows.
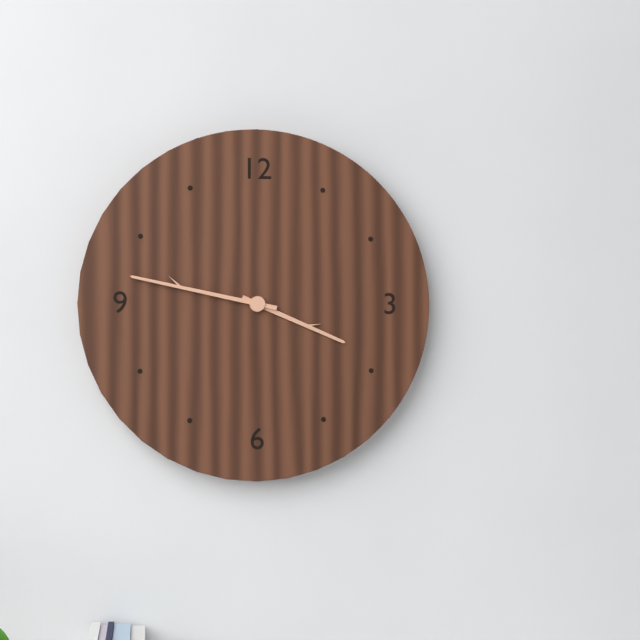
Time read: 3:47
